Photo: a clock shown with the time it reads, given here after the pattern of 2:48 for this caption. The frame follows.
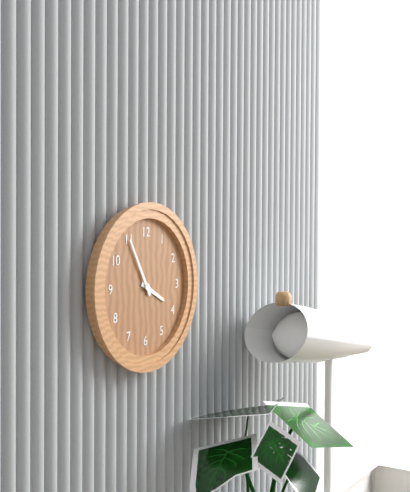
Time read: 3:55
